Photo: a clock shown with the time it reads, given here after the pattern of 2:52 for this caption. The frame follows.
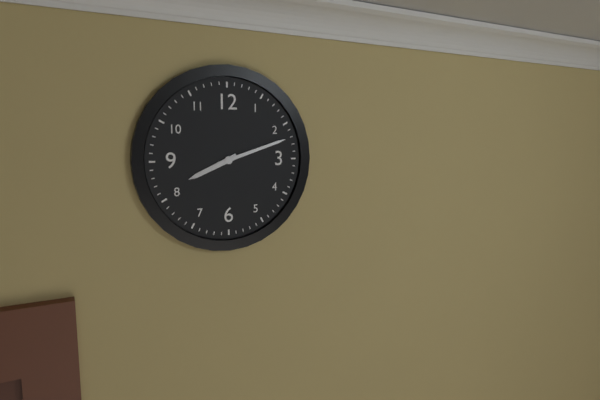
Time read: 8:12
